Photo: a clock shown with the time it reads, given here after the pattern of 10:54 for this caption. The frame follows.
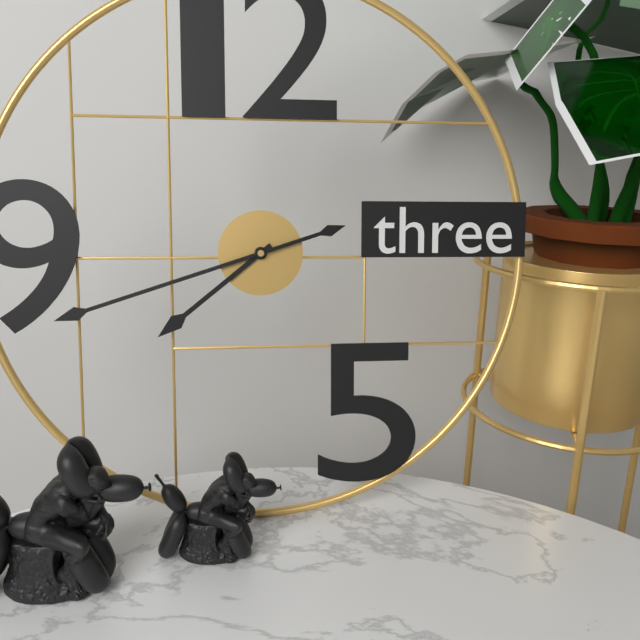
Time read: 7:42
